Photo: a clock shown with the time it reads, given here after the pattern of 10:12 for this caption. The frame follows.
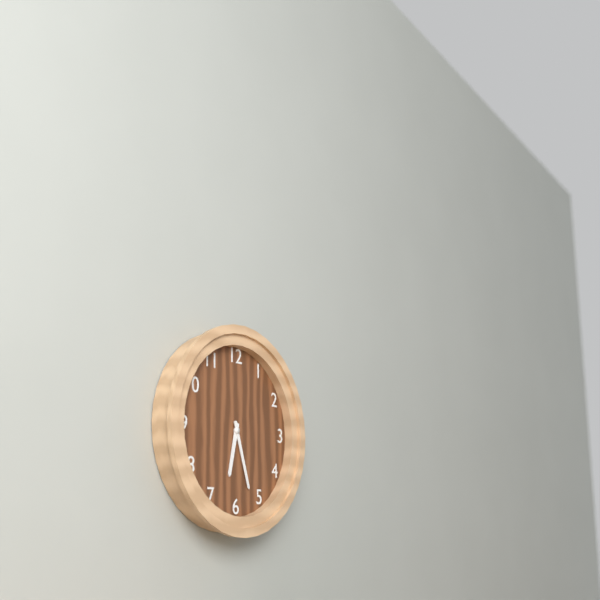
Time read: 6:27
